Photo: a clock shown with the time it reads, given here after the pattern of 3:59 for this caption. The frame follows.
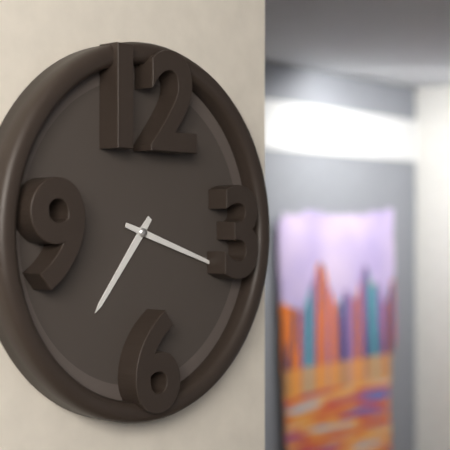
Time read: 7:18
